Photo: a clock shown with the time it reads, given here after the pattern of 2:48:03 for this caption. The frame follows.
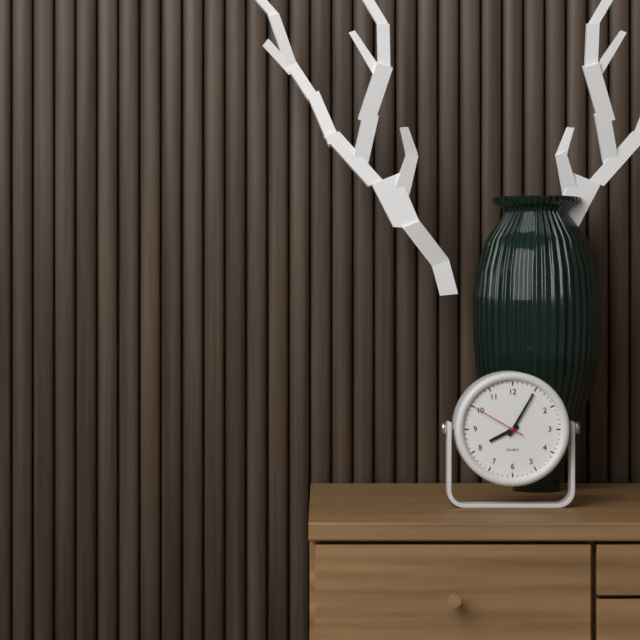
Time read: 8:05:50
